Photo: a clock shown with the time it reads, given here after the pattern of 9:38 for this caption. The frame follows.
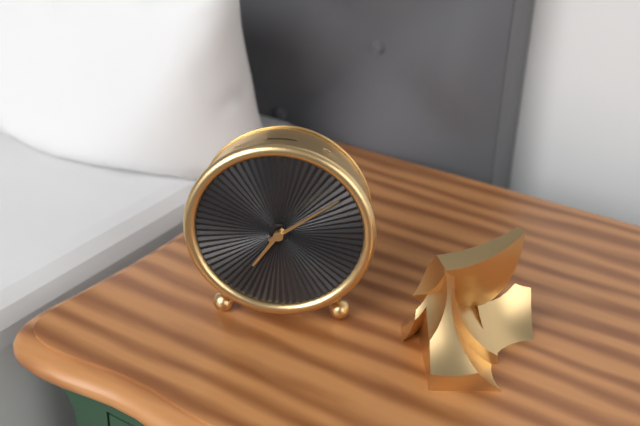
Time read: 7:09
